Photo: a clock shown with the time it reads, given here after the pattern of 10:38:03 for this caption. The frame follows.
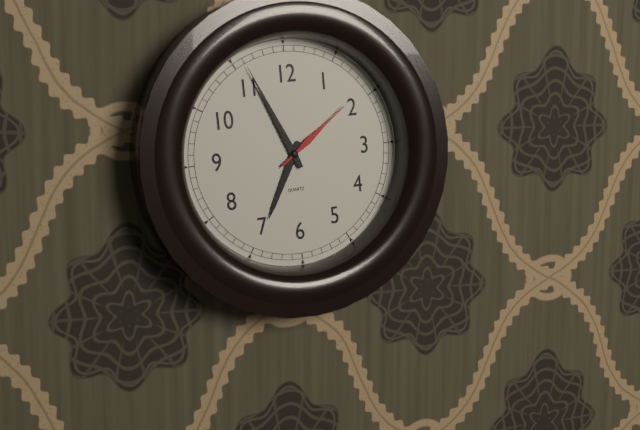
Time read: 6:56:09
